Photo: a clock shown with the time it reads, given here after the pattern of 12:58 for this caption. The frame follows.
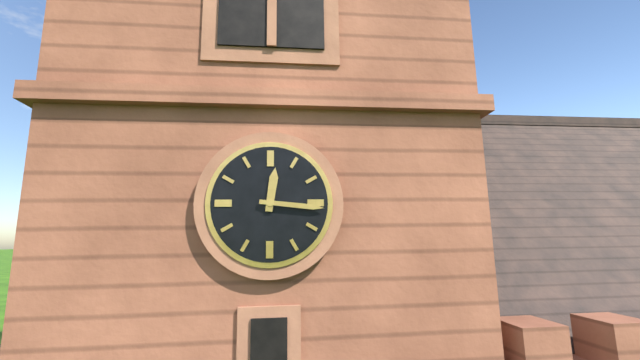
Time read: 12:16
